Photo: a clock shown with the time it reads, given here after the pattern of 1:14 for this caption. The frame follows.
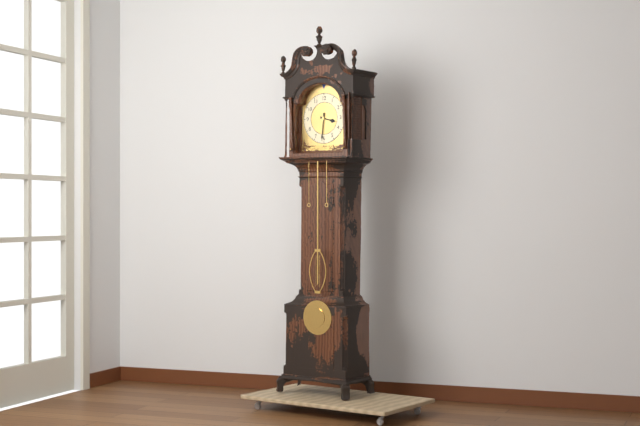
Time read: 3:31
